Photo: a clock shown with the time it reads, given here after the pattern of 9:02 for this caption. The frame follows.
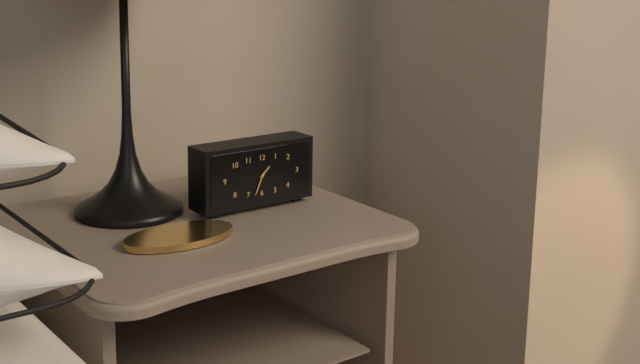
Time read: 1:34
